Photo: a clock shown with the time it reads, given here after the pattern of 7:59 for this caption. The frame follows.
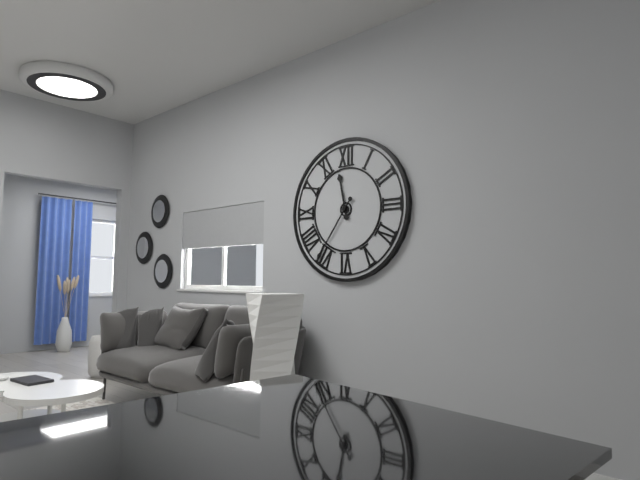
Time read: 11:36
